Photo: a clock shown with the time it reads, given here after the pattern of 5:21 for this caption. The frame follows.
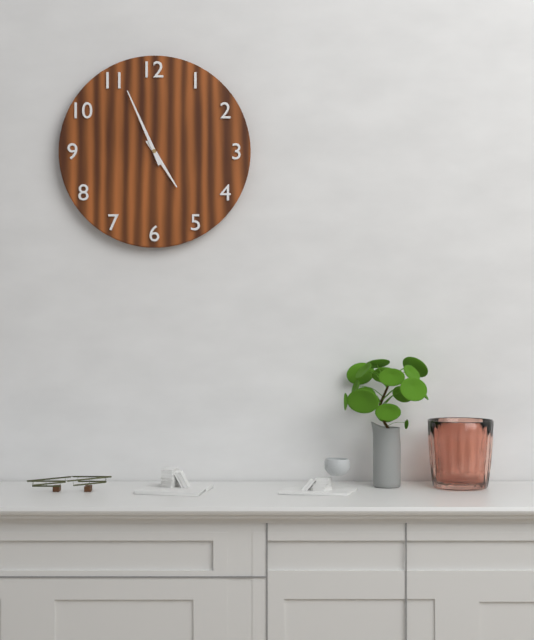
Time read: 4:56
